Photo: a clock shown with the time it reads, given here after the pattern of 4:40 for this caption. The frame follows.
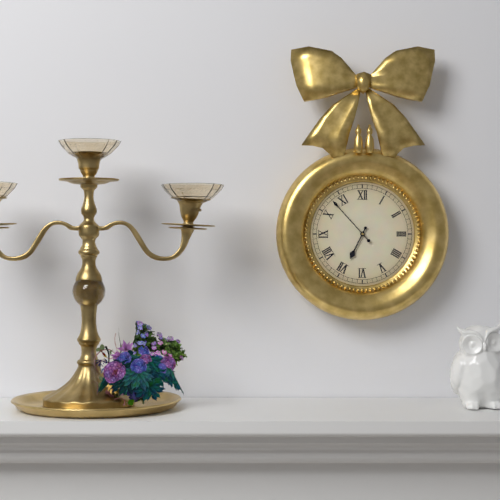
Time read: 6:53
